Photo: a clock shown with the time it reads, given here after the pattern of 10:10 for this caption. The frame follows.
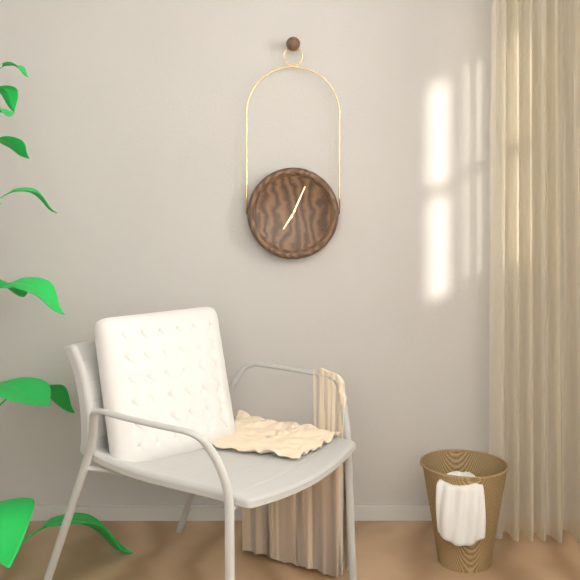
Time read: 7:04
